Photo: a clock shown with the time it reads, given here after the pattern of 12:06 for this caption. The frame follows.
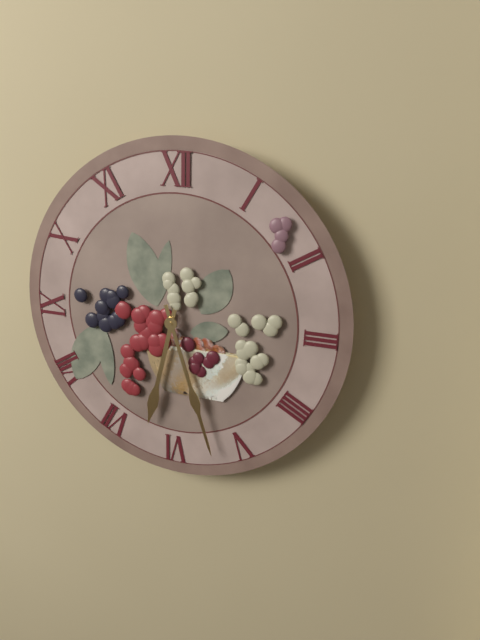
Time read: 6:27
